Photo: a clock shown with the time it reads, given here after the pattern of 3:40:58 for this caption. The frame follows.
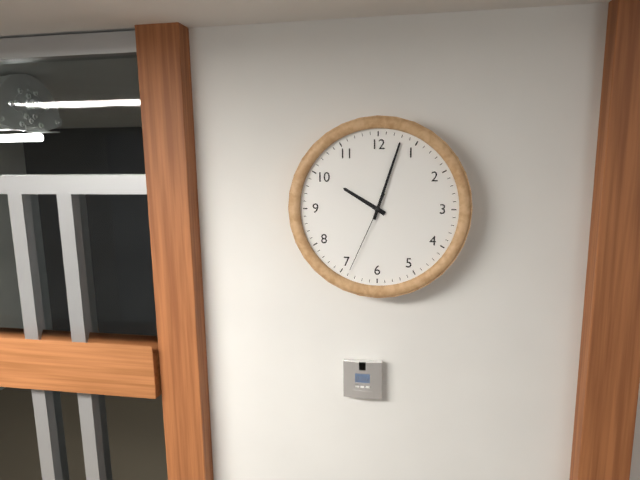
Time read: 10:03:34
